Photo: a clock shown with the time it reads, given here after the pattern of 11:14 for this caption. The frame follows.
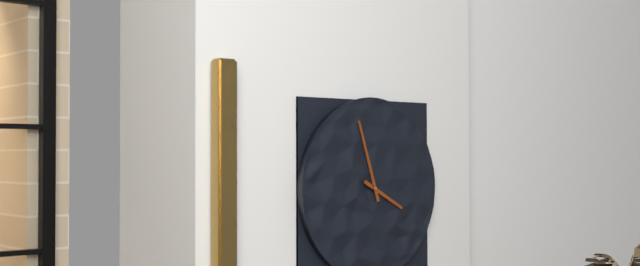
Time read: 3:57
